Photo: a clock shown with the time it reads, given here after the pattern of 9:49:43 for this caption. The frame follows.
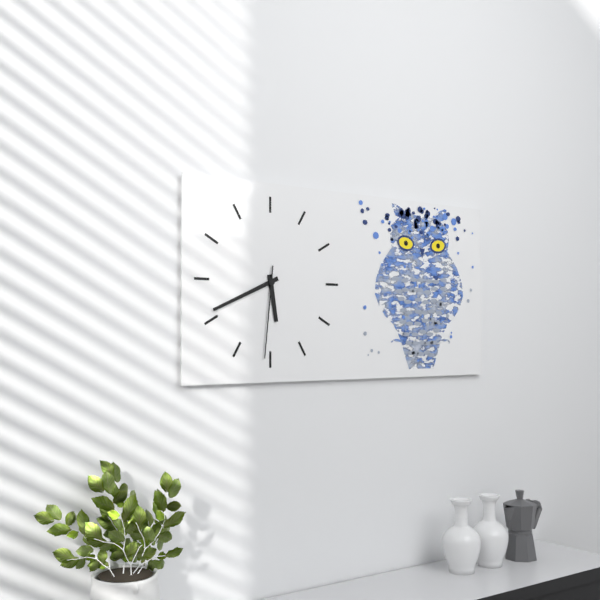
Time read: 5:41:31
